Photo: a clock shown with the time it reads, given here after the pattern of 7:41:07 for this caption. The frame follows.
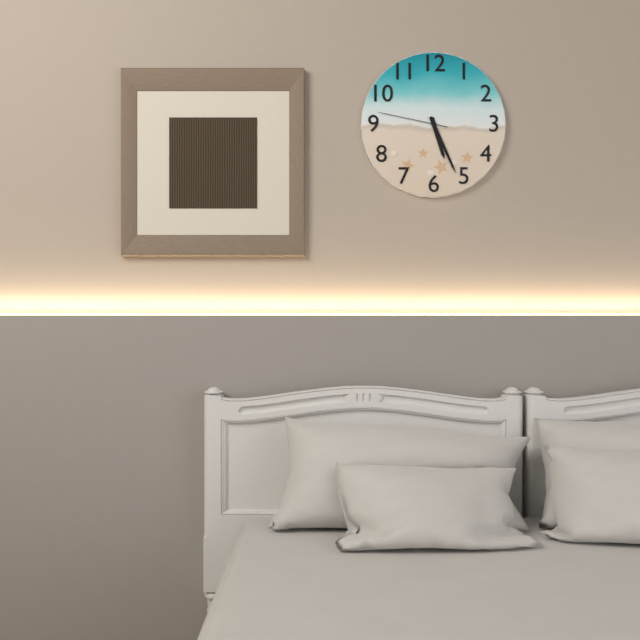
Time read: 5:26:47
